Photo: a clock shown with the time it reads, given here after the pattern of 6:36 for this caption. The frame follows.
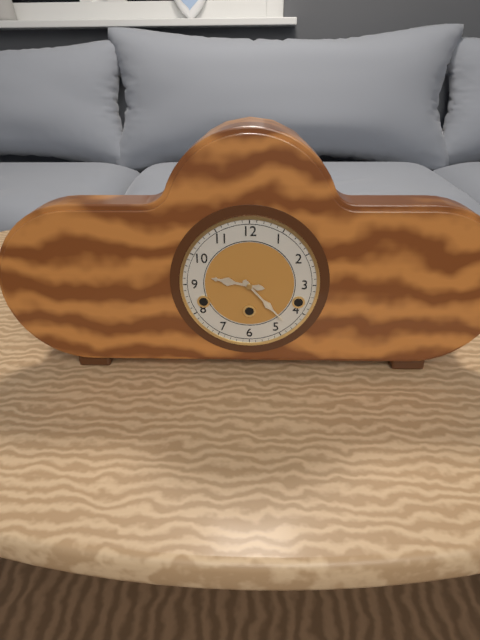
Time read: 9:23
